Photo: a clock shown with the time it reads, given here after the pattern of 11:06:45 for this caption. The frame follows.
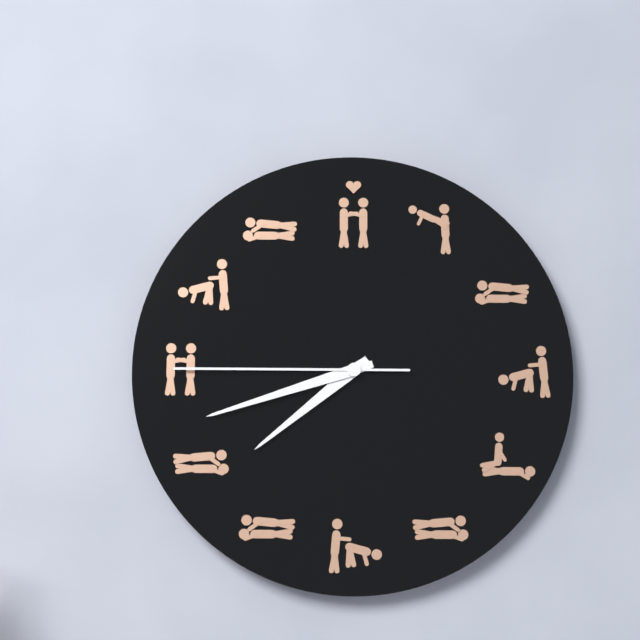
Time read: 7:42:45
